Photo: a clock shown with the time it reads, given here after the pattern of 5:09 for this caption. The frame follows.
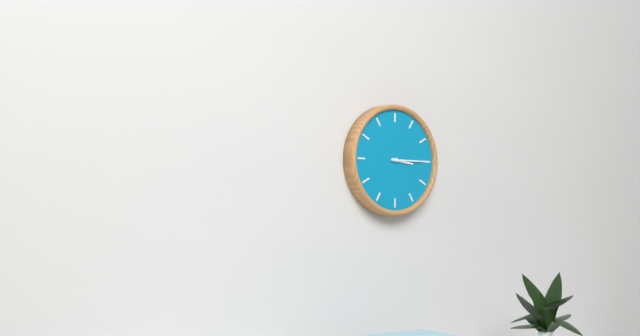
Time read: 3:15
